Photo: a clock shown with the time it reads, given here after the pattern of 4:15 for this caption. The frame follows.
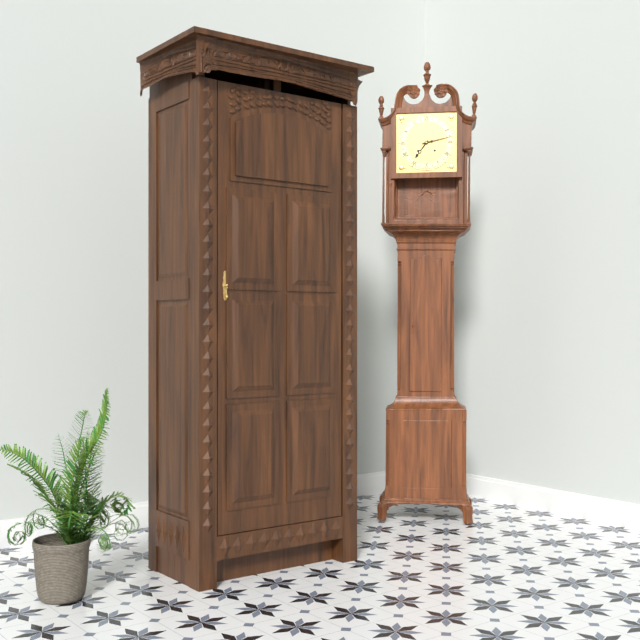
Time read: 7:13
